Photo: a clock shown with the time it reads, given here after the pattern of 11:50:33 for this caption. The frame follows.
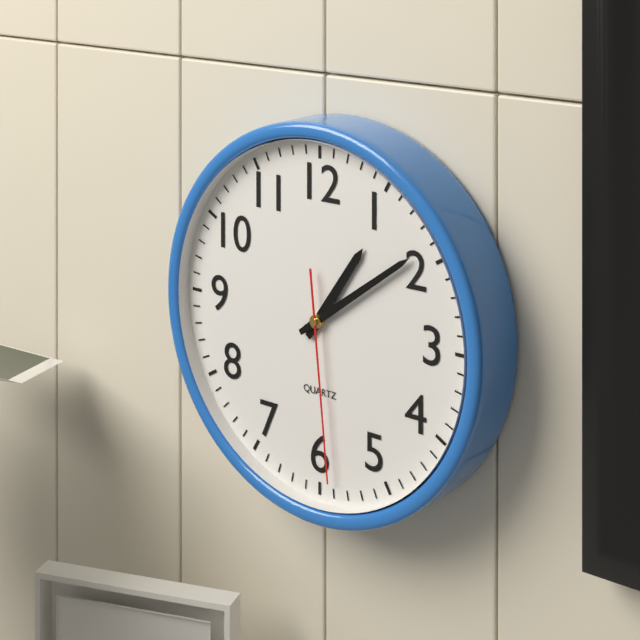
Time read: 1:09:29
